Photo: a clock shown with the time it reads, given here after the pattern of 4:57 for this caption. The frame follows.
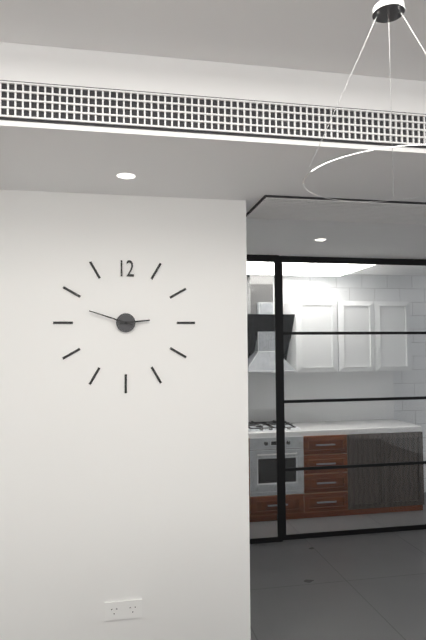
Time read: 2:48
